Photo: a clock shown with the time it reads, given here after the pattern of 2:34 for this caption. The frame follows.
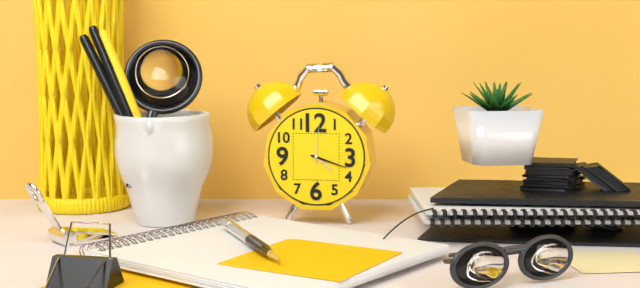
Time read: 4:18
